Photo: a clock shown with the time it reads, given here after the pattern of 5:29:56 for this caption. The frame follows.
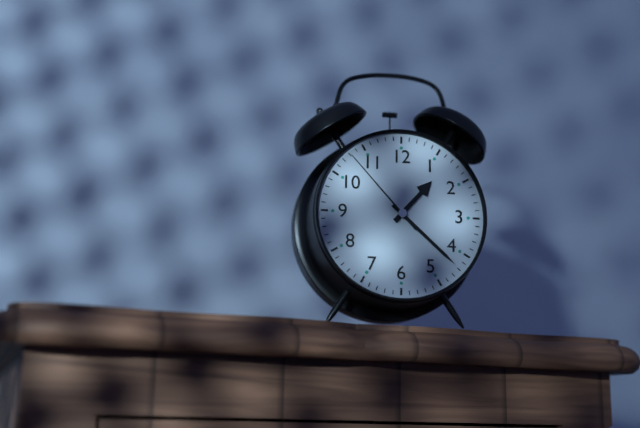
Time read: 1:22:53
